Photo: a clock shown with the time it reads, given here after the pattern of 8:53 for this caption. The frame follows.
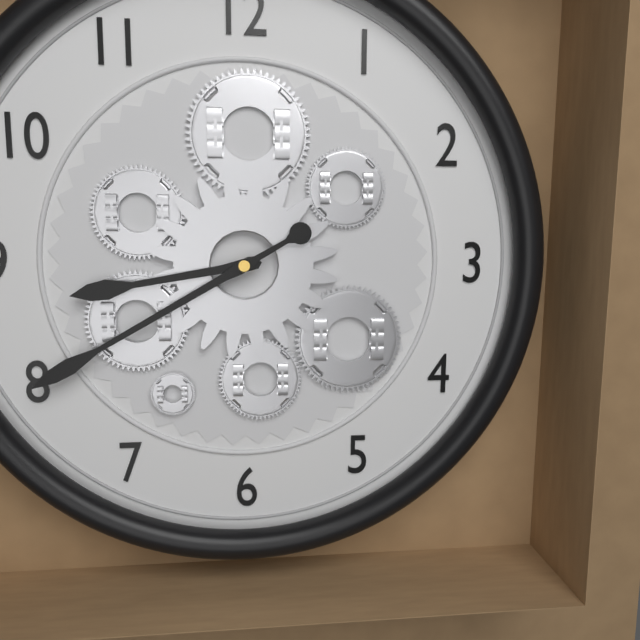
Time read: 8:40
